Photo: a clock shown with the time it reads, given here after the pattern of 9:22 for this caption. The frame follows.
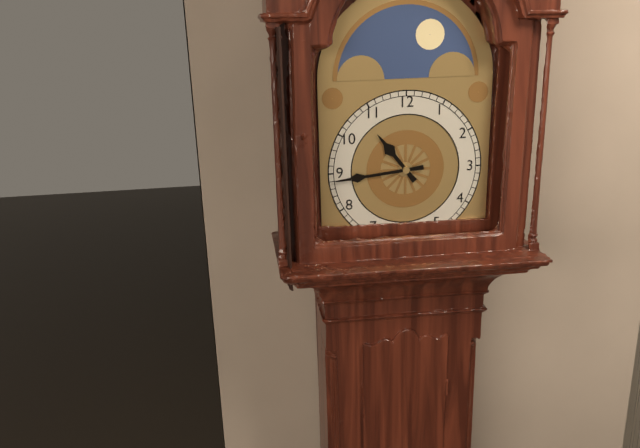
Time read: 10:44
